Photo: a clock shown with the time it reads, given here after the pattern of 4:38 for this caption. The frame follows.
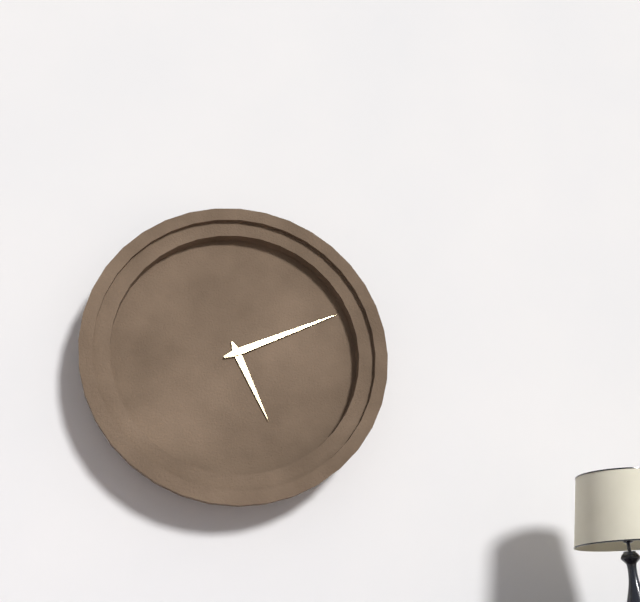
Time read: 5:11
